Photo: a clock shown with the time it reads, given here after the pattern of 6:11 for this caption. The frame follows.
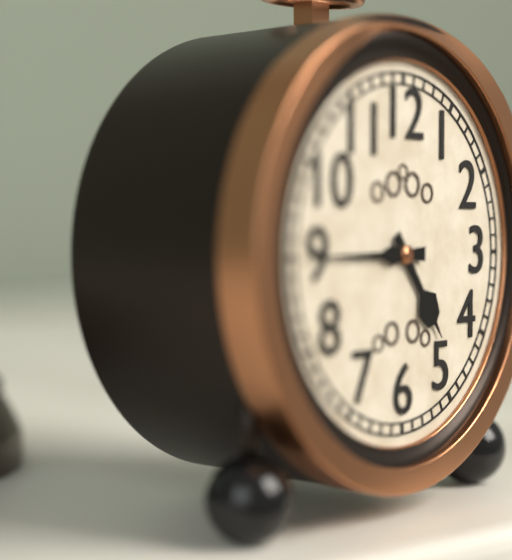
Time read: 4:45
